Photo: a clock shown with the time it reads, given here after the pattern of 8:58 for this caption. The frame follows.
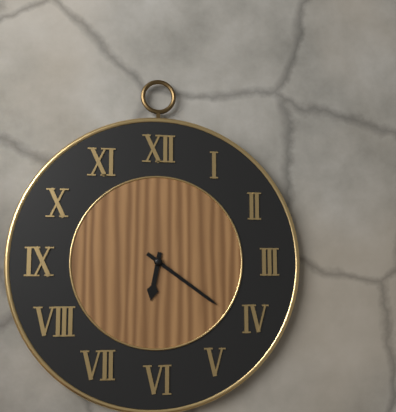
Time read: 6:21
